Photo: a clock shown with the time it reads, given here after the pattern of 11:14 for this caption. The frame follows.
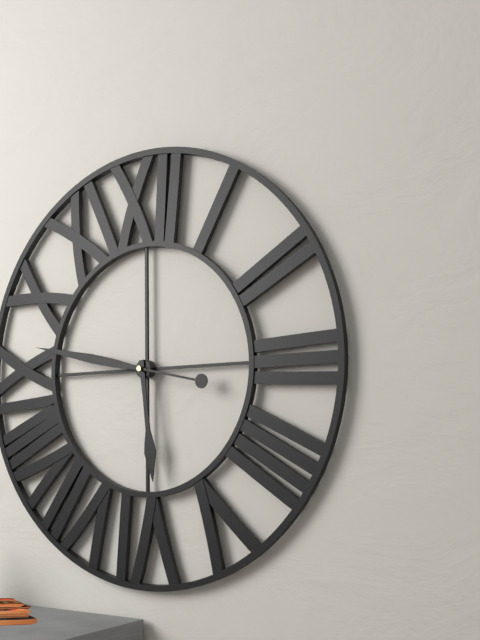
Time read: 5:47
